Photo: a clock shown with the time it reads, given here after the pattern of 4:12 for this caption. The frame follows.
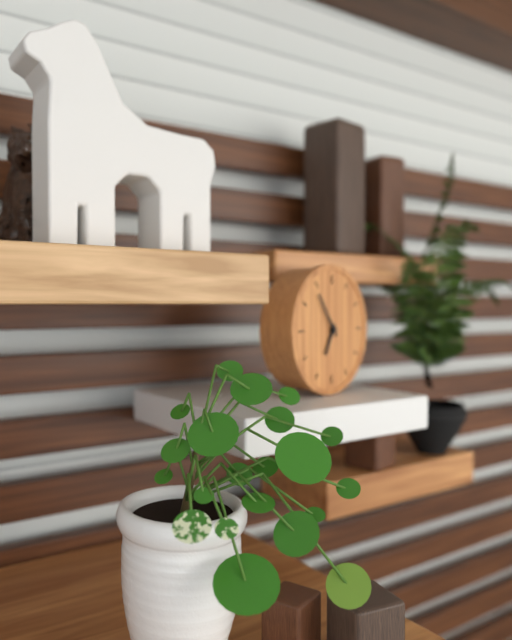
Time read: 6:54
